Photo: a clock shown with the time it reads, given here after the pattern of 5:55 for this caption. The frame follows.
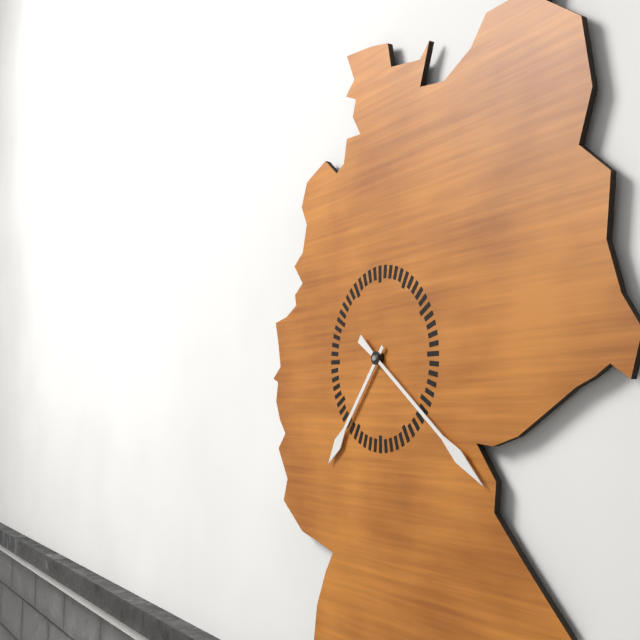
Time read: 7:21
